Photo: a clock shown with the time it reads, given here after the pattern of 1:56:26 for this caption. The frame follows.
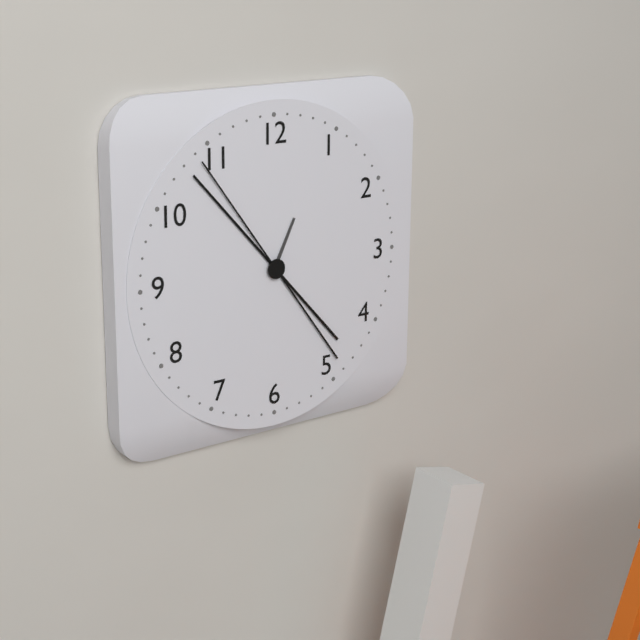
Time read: 12:53:54
